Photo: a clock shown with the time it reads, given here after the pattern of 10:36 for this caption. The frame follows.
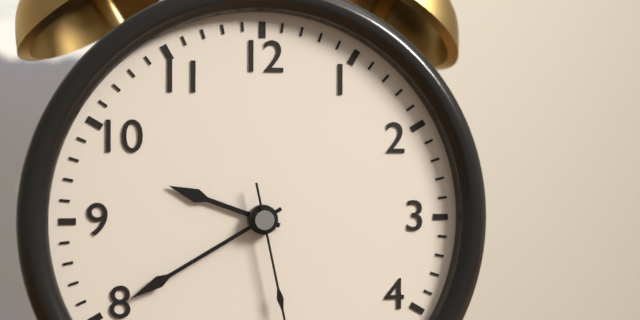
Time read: 9:40
